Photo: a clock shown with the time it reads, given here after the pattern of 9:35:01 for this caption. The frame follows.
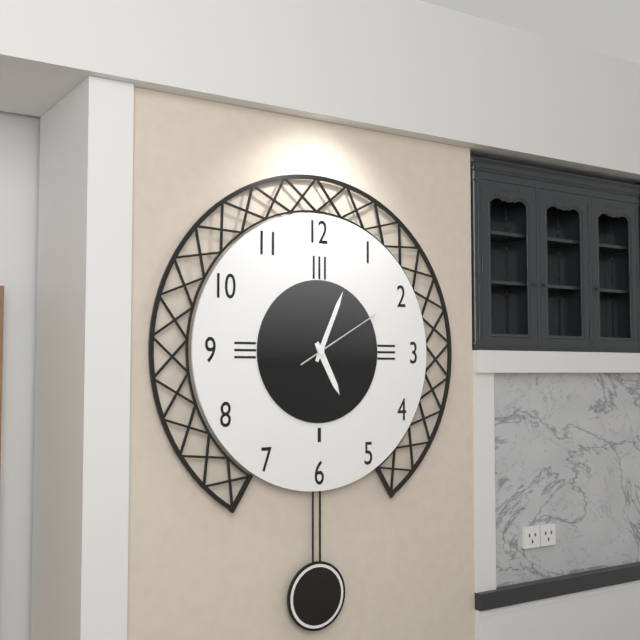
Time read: 5:04:10
